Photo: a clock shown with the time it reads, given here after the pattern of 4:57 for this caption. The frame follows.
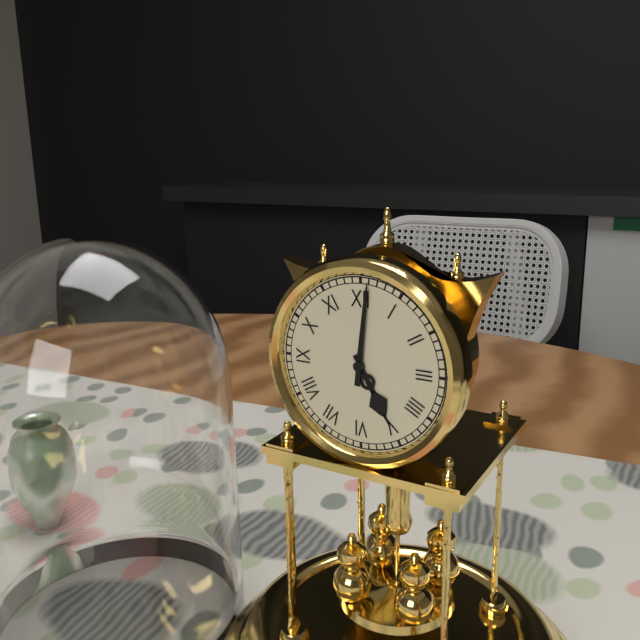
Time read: 5:01
